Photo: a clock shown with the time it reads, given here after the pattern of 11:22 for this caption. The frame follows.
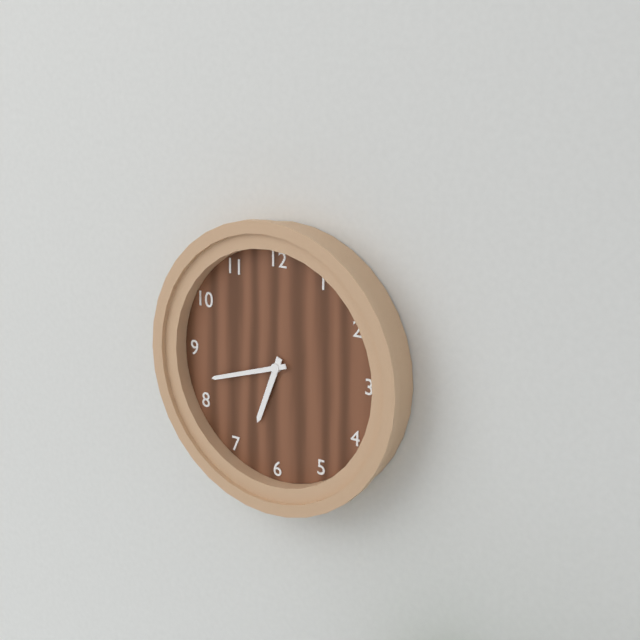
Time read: 6:42
